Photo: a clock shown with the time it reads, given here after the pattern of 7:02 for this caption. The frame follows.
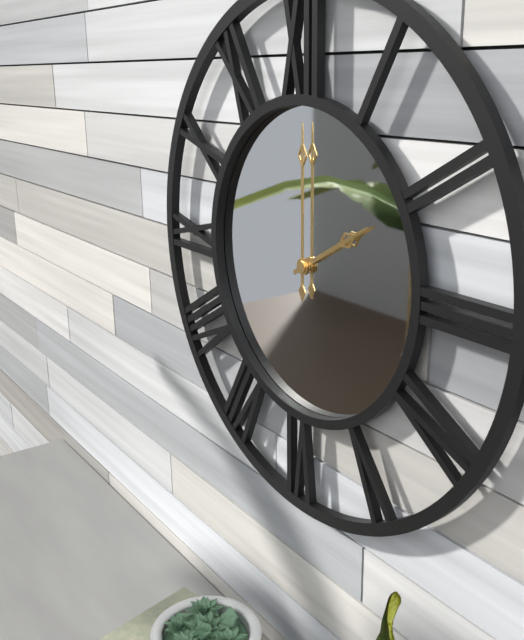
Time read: 2:00
